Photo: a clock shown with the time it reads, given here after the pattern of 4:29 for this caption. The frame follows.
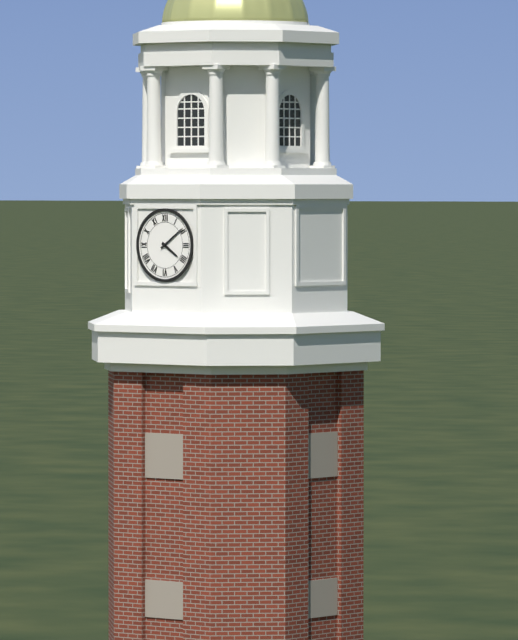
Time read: 4:09
